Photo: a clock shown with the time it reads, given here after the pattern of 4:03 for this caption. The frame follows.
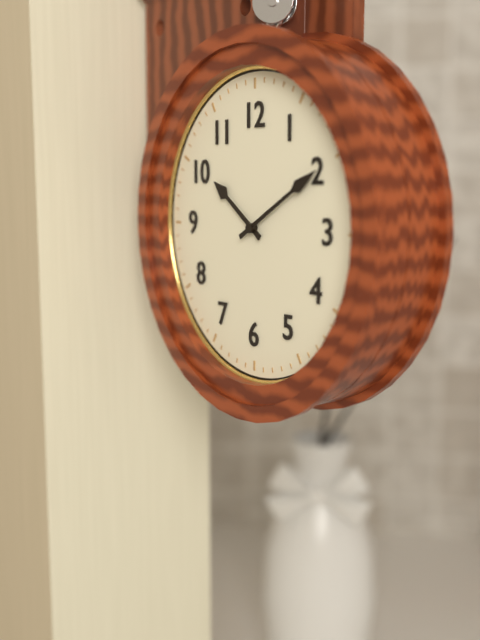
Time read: 10:10
